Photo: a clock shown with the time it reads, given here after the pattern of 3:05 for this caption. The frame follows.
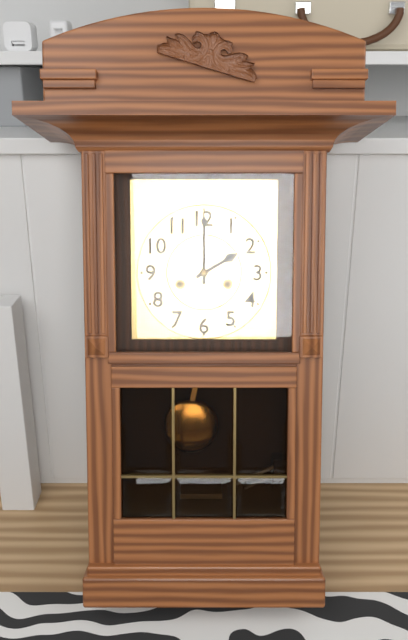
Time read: 2:00
